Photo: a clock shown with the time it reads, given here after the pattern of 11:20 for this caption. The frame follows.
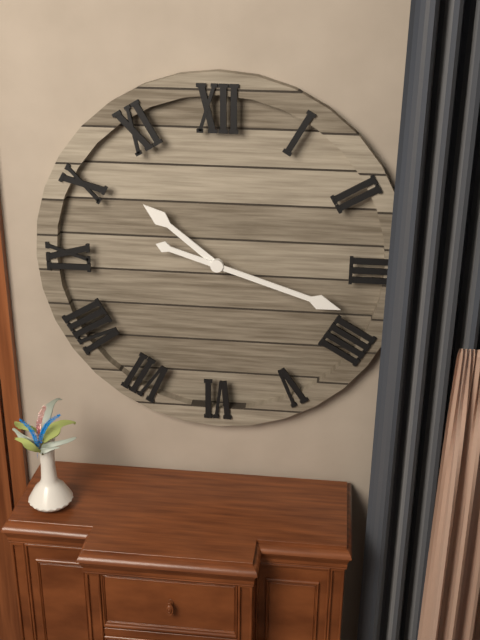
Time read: 10:18
